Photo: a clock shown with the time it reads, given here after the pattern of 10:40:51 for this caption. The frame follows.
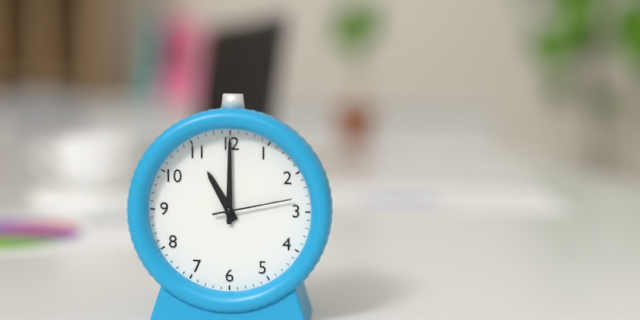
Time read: 11:00:13
